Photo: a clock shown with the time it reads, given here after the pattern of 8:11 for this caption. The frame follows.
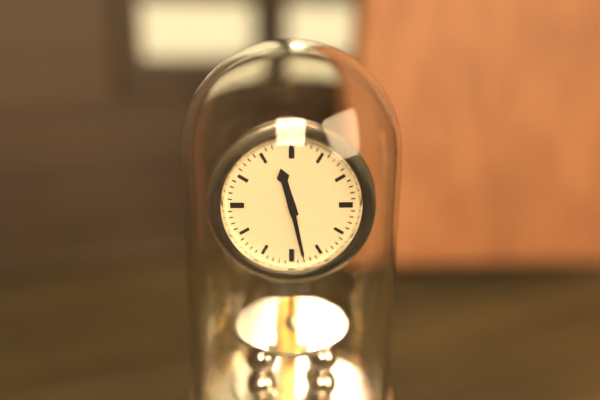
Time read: 11:28
